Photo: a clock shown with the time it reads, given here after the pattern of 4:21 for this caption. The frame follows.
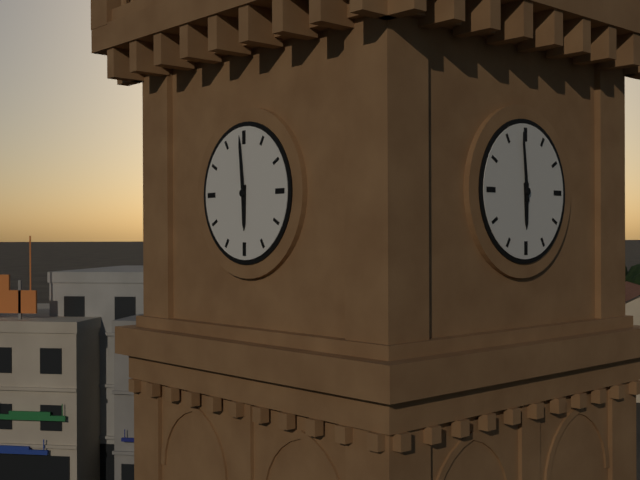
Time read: 5:59
